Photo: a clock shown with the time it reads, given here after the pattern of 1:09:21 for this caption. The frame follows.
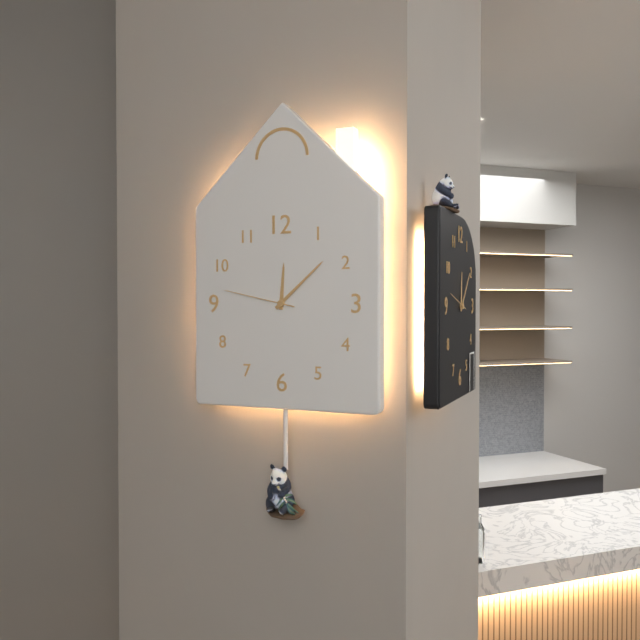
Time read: 12:08:47
